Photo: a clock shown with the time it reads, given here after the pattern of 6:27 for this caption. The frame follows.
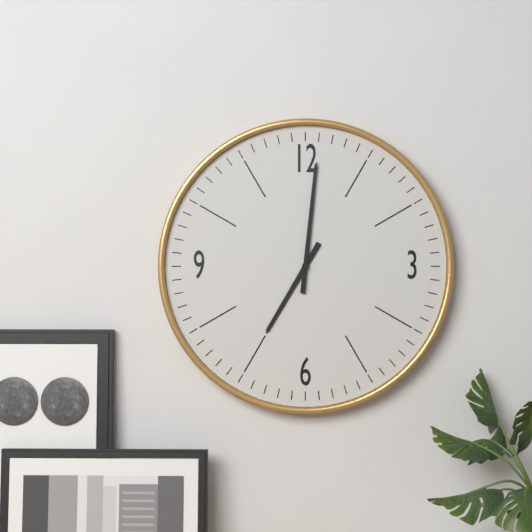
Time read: 7:01
